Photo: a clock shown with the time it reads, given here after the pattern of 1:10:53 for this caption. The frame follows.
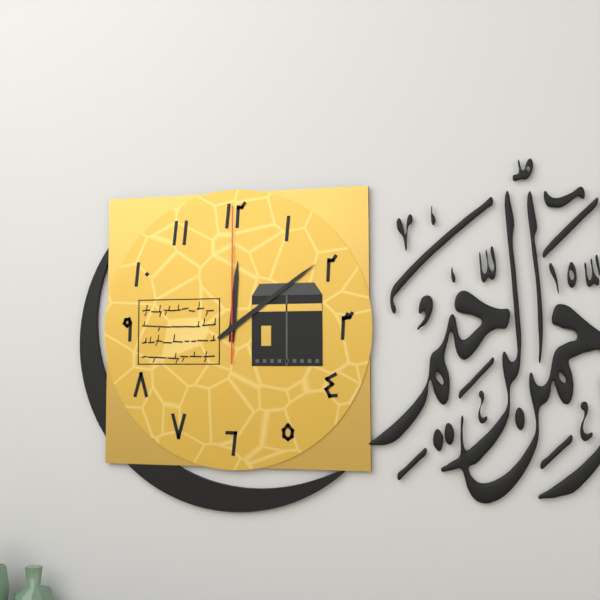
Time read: 12:09:00
